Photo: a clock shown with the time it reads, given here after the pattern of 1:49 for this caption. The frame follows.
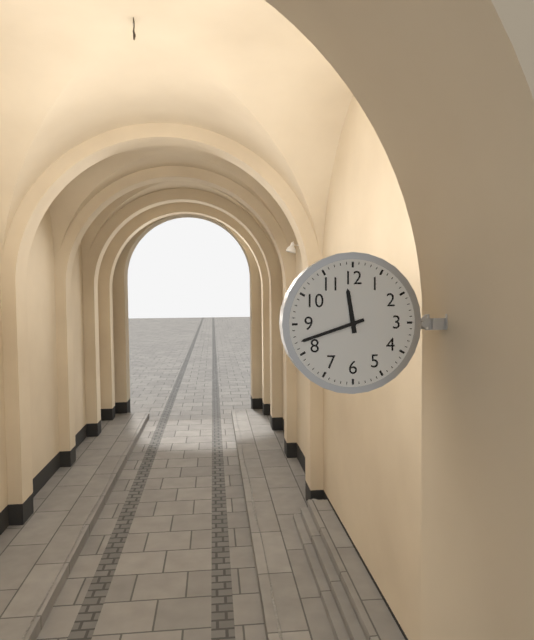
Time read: 11:42
